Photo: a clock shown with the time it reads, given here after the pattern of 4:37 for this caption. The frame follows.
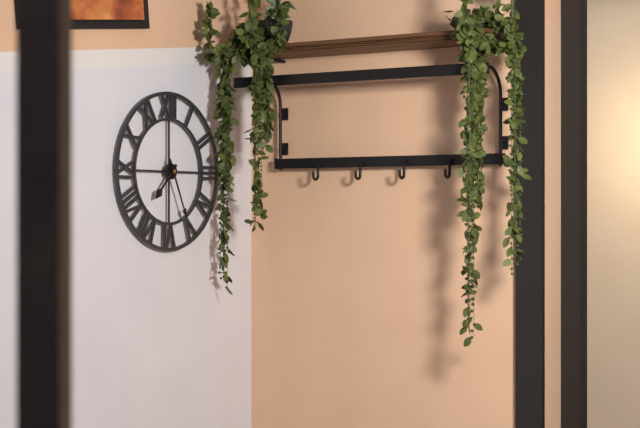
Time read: 7:26
